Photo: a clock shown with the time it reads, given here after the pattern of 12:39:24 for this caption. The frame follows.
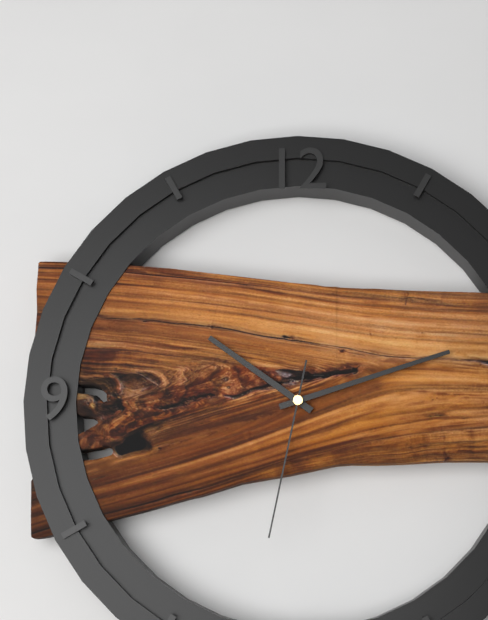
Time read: 10:12:32
